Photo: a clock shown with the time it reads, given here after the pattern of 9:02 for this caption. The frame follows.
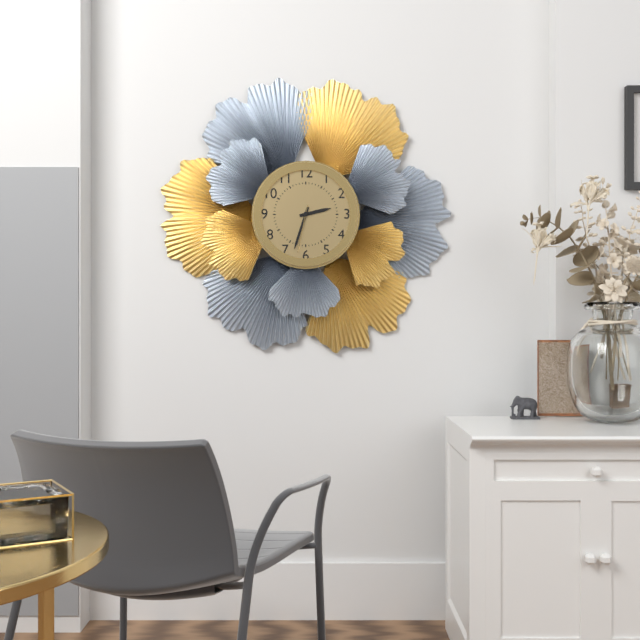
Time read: 2:33
